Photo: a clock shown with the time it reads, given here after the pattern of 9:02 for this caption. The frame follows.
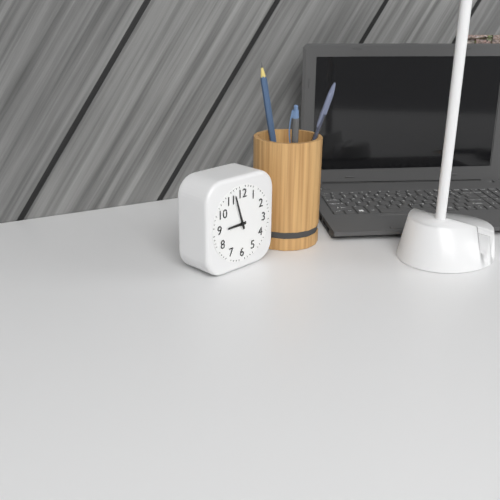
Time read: 8:57
